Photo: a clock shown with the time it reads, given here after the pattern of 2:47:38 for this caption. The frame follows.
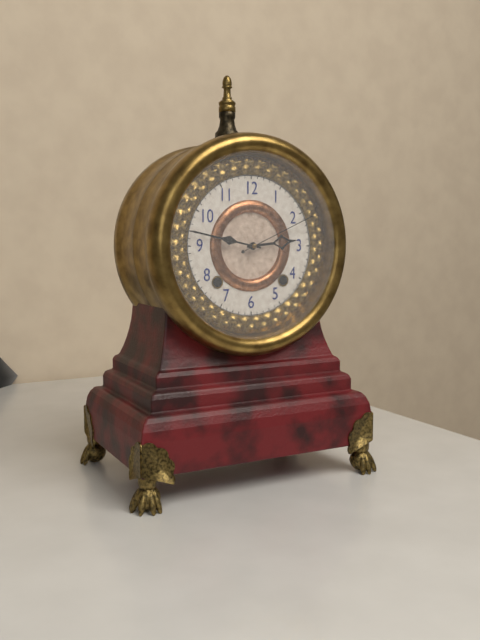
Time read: 2:47:11
